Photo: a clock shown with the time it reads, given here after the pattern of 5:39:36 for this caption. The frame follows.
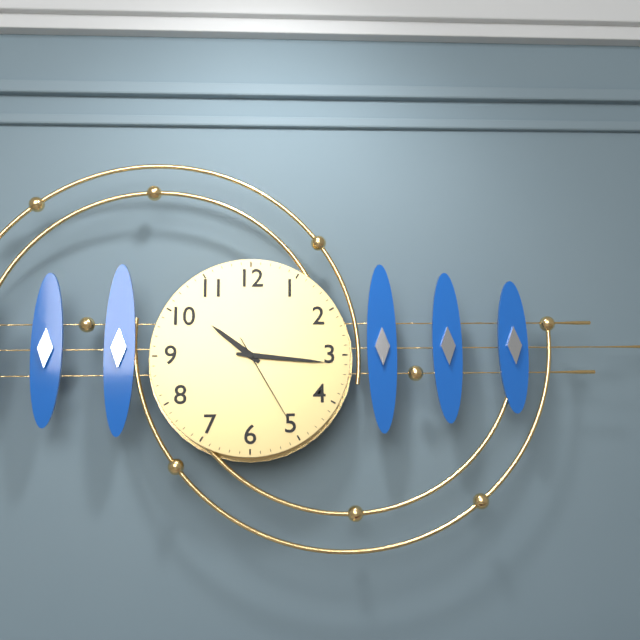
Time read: 10:16:25
